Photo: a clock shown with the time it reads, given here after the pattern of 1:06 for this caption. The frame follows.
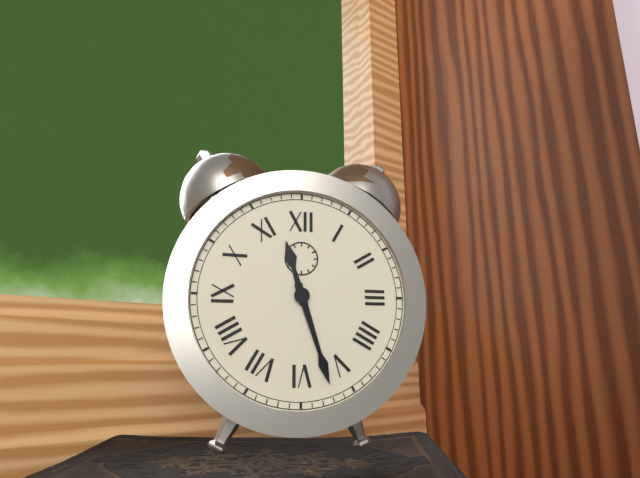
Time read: 11:27
